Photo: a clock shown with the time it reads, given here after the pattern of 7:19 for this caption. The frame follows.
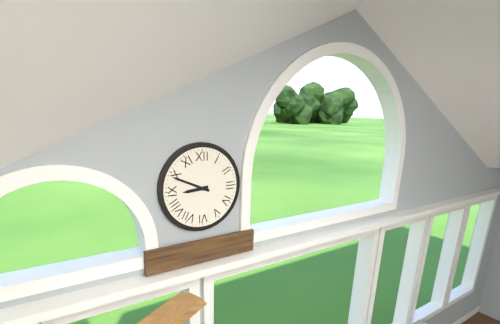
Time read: 8:49
